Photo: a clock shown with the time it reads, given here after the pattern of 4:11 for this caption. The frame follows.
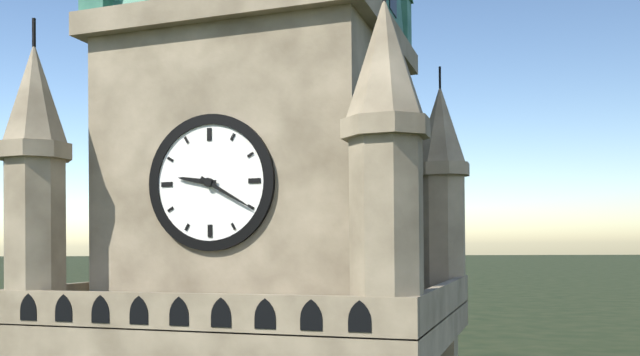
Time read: 9:20
